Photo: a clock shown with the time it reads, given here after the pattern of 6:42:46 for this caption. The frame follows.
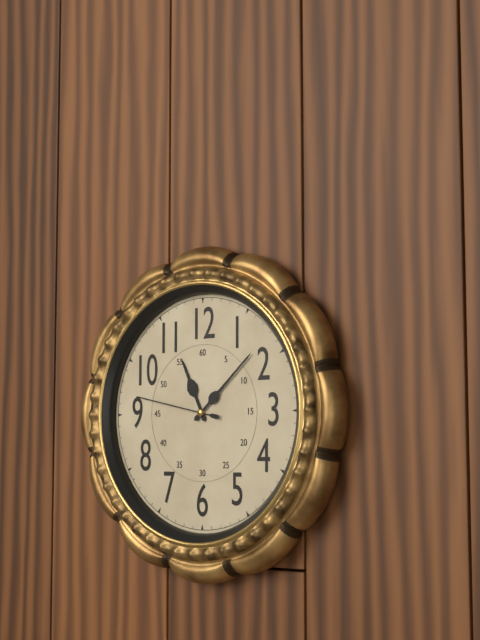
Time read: 11:08:47
